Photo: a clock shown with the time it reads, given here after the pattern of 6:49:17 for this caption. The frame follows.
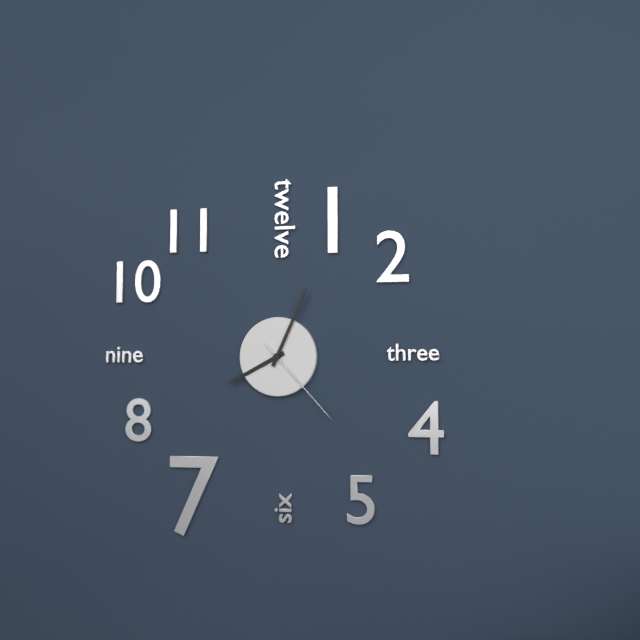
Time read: 8:04:23
